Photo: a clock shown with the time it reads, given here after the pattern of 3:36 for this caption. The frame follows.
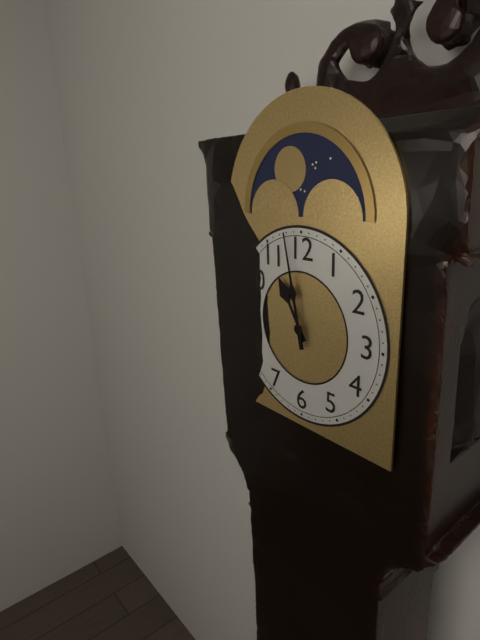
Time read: 10:58
